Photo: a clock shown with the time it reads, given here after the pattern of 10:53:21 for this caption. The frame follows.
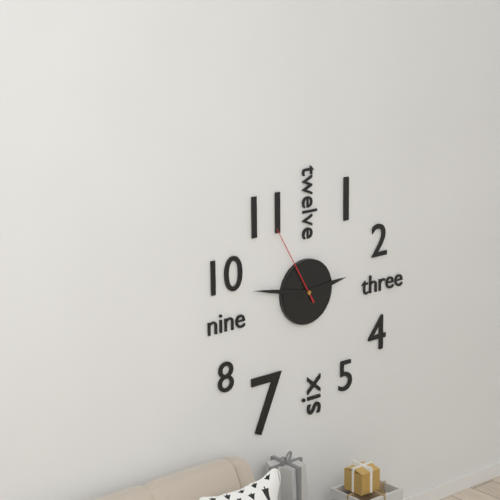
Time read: 2:47:55
